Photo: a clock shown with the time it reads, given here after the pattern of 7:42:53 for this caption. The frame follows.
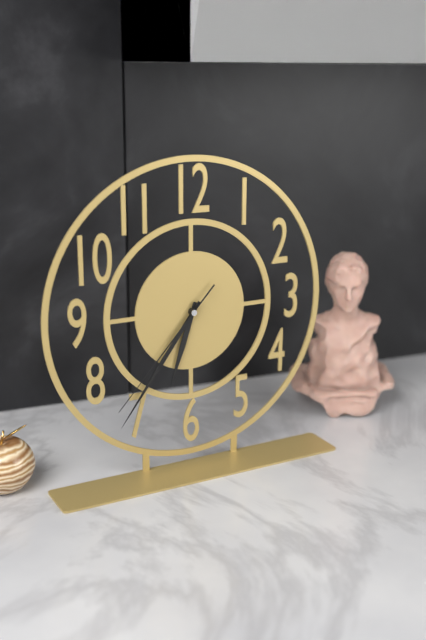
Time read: 6:36:37
